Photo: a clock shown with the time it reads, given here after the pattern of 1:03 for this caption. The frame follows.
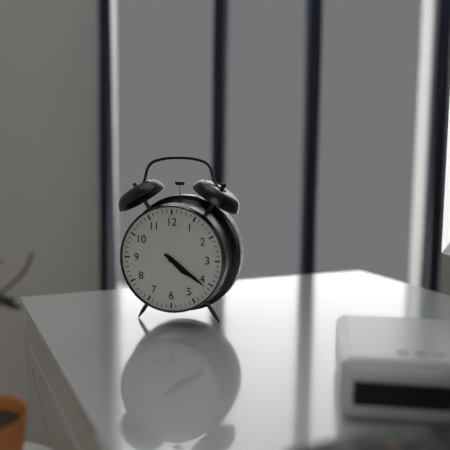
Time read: 4:21
